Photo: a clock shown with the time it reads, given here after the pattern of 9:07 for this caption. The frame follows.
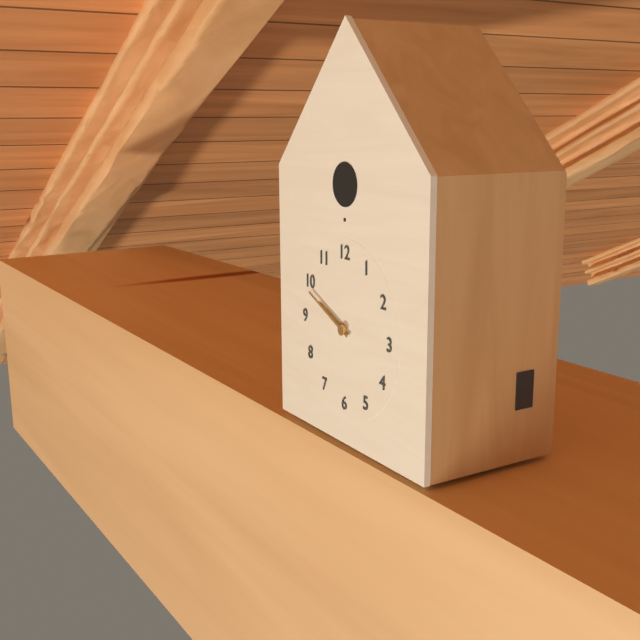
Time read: 9:49
